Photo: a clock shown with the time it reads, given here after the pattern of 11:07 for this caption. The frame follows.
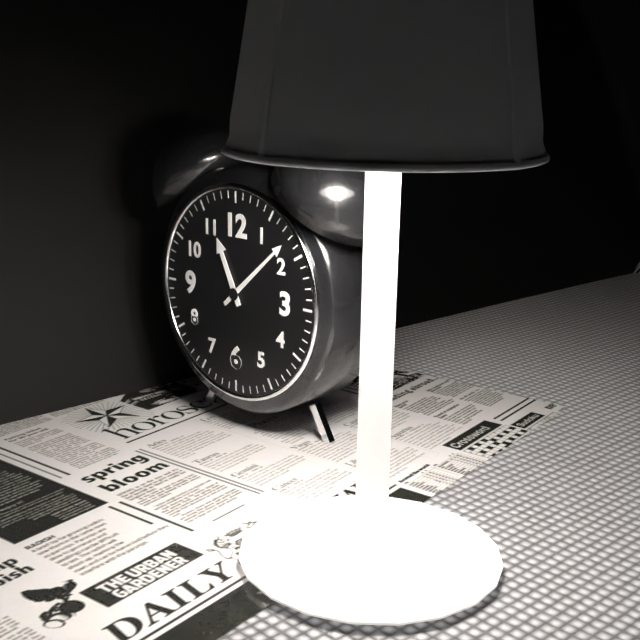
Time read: 11:08
